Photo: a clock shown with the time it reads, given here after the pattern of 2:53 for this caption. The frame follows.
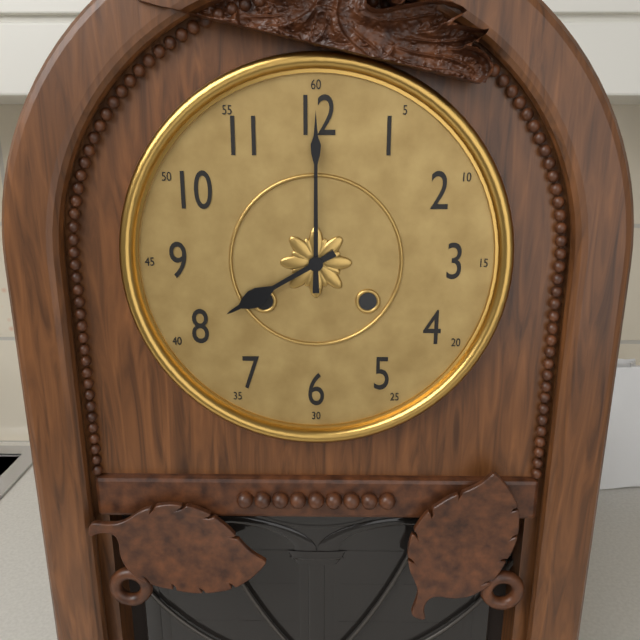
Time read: 8:00
